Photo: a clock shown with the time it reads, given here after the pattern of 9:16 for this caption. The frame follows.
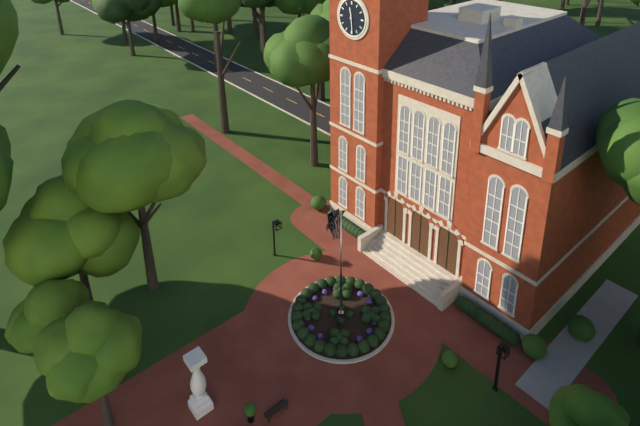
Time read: 11:29
